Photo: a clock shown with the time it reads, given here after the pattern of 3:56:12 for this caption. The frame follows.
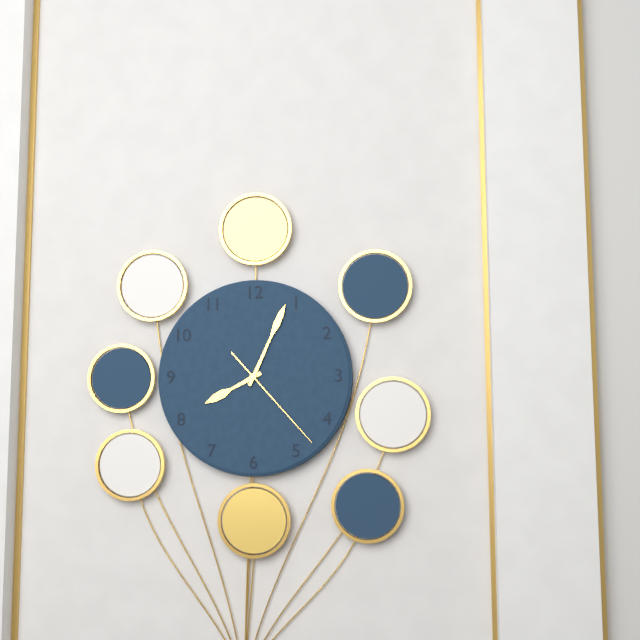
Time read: 8:04:23
